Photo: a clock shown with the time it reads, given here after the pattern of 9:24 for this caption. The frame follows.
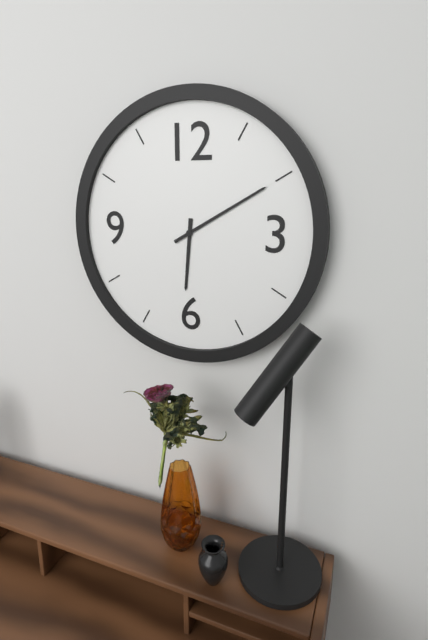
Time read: 6:10
